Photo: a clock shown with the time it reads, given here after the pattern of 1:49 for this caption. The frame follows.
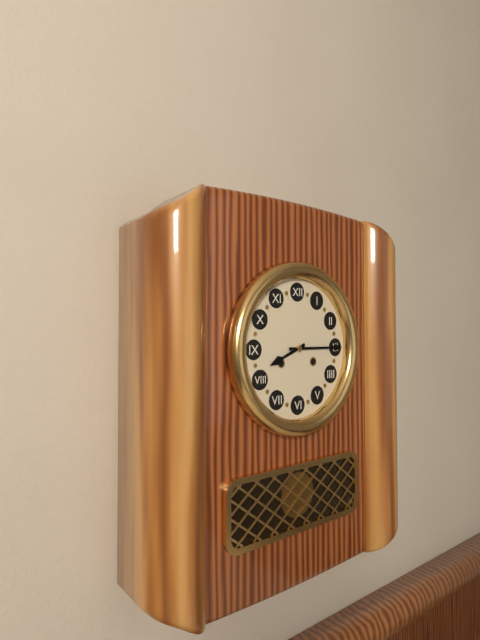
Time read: 8:15
